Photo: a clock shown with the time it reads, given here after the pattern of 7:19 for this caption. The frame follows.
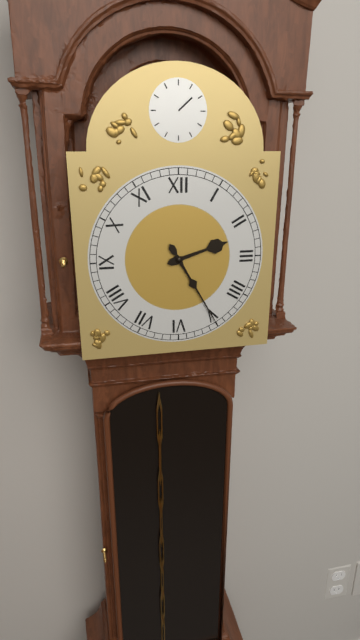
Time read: 2:25
